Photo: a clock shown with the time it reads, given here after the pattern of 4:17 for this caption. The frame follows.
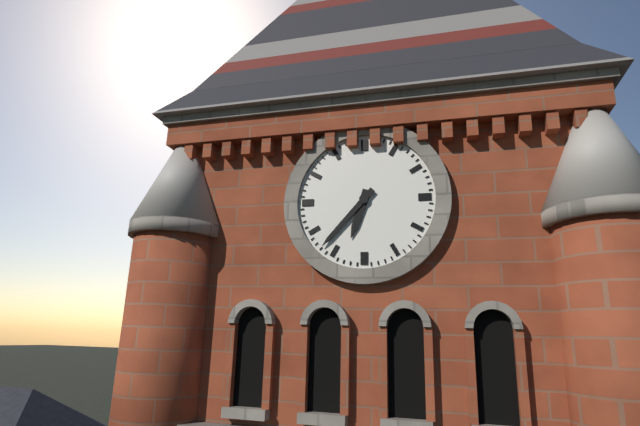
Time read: 6:37
